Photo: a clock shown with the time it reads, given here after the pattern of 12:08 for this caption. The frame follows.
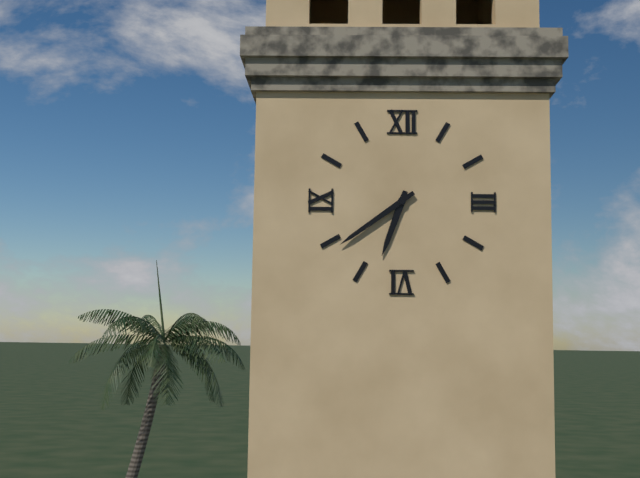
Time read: 6:39
